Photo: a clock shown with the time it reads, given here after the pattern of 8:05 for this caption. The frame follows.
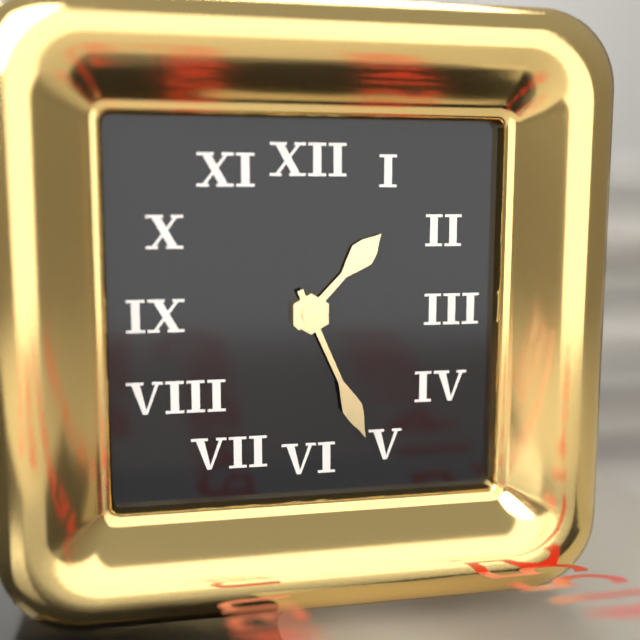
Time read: 1:26
